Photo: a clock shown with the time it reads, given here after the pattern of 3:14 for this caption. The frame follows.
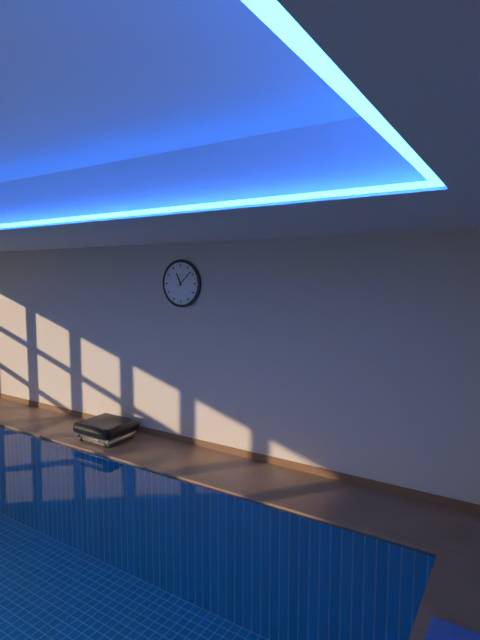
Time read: 11:08
